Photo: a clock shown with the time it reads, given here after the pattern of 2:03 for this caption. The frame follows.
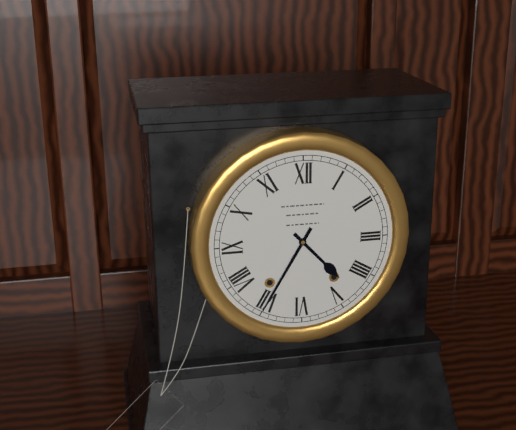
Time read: 4:35
